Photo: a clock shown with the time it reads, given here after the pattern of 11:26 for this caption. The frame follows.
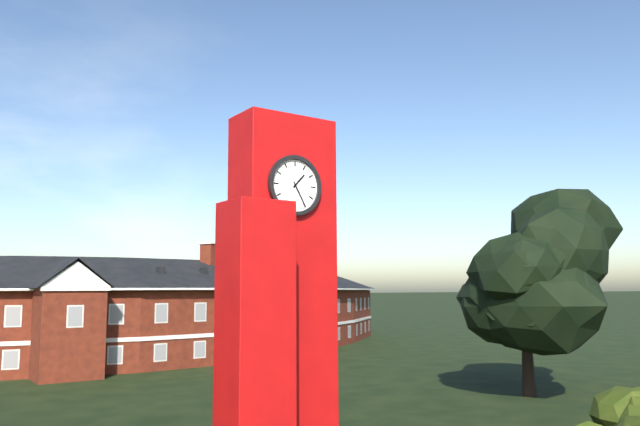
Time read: 1:25
